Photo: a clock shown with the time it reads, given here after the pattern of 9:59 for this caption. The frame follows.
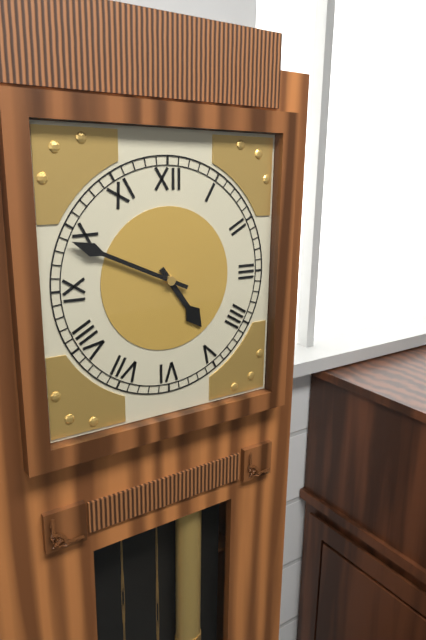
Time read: 4:49
